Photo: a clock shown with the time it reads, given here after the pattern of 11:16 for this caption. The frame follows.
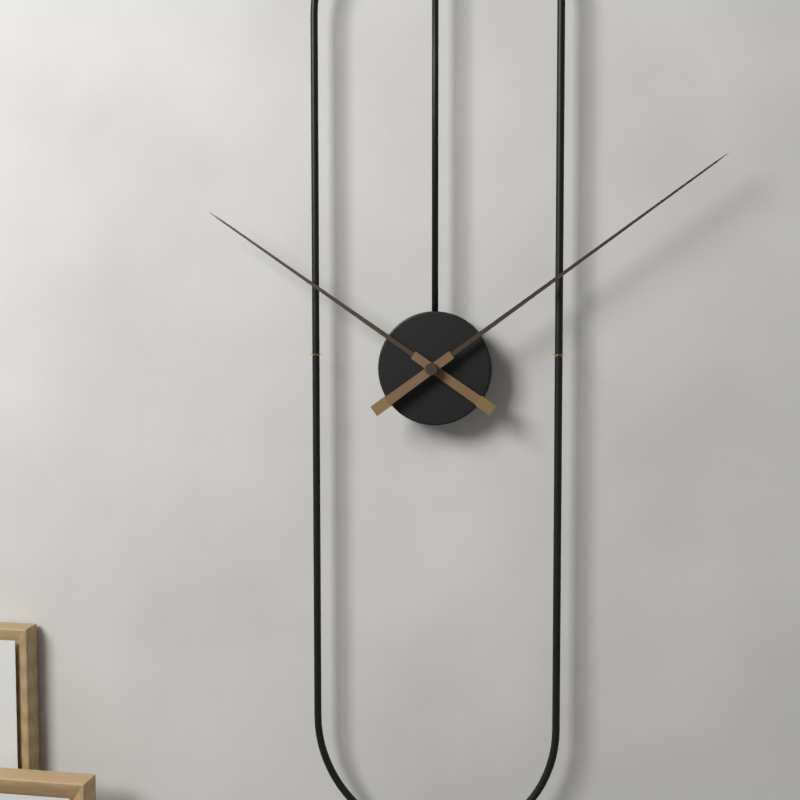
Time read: 10:09
